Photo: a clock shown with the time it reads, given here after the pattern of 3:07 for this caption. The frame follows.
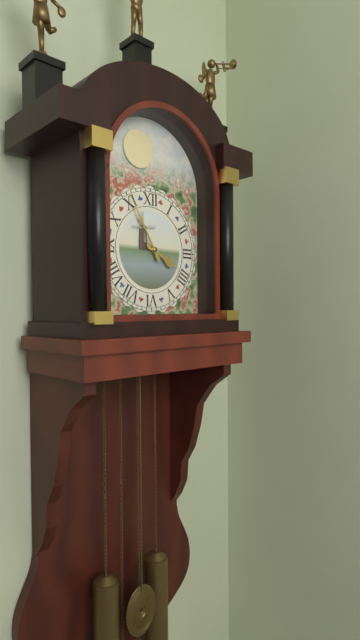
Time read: 3:55
